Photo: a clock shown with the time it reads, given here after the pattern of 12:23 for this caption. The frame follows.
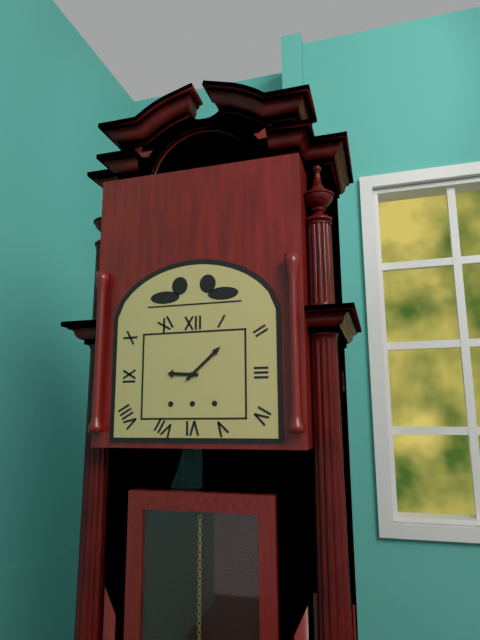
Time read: 9:08
